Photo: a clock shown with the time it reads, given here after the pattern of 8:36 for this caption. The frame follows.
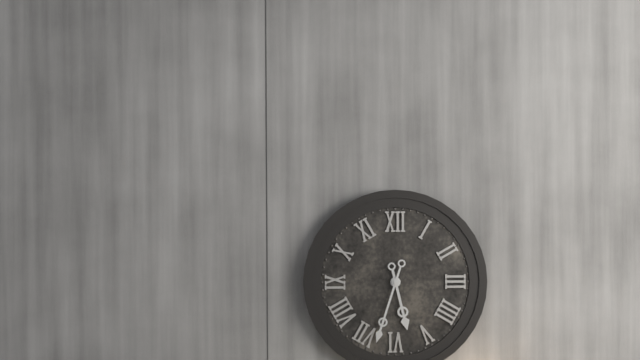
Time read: 5:33
